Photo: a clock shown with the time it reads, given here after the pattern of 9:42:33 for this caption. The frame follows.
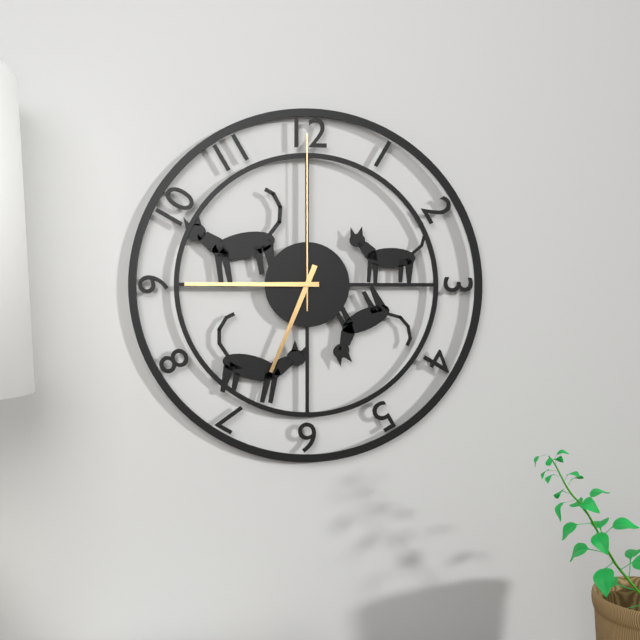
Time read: 6:45:00
